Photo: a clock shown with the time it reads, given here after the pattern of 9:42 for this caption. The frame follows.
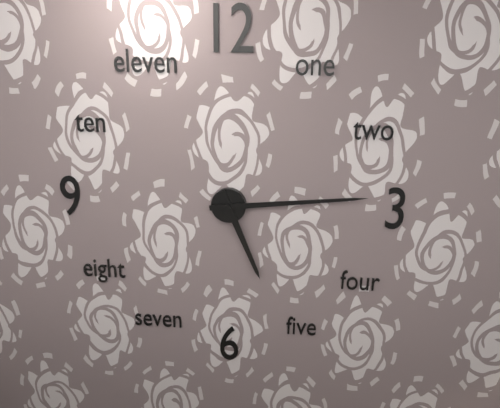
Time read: 5:14
